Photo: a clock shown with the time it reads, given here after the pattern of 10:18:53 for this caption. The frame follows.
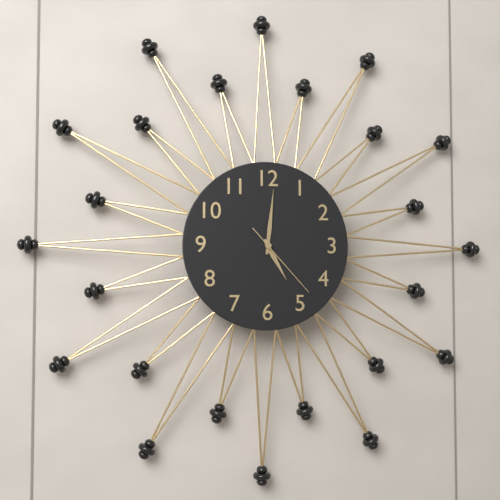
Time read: 5:01:23
